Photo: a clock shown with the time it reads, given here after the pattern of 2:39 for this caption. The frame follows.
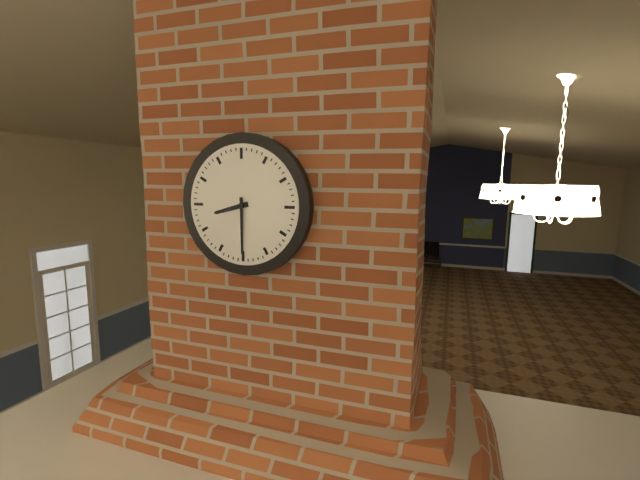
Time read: 8:30
